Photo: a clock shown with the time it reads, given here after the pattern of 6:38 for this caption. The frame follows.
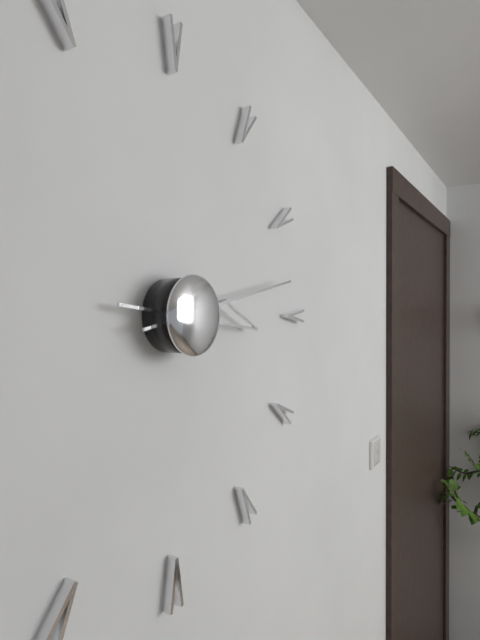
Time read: 3:13
